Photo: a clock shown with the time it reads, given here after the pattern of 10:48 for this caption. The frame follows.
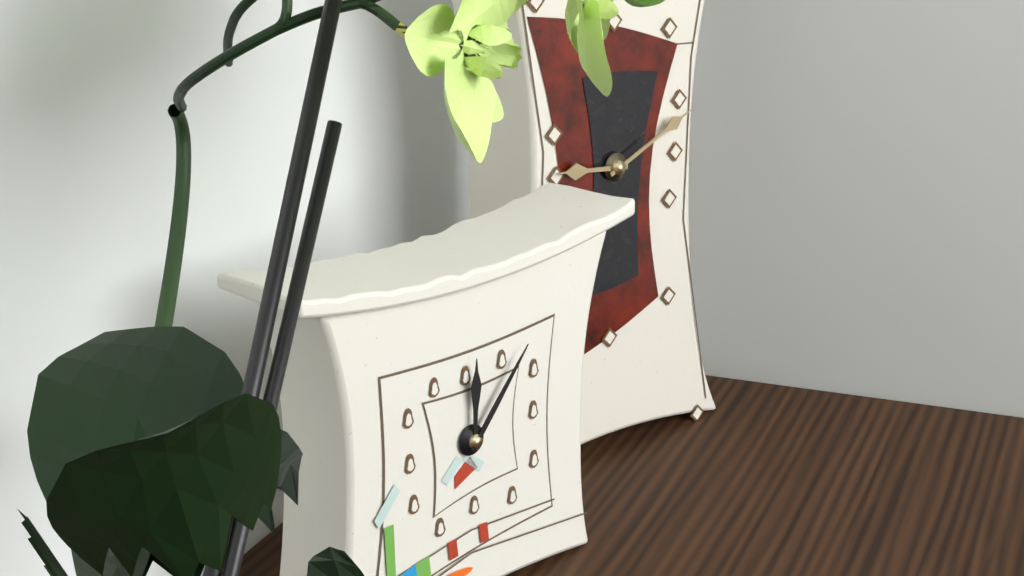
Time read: 9:11
